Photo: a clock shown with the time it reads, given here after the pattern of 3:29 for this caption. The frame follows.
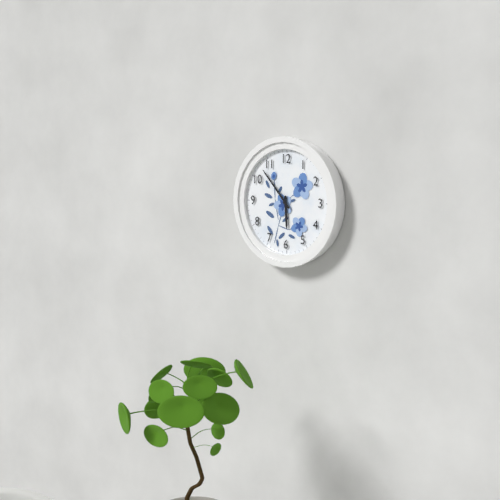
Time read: 5:53
